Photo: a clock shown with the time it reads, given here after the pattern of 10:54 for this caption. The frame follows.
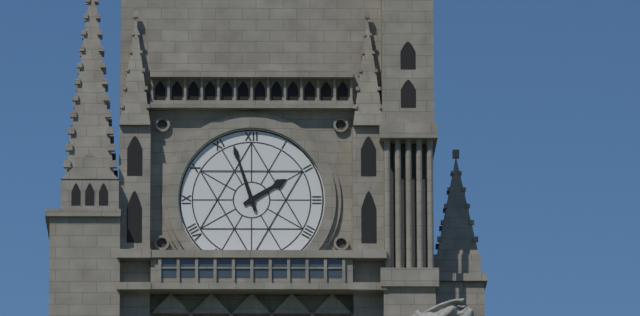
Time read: 1:57
